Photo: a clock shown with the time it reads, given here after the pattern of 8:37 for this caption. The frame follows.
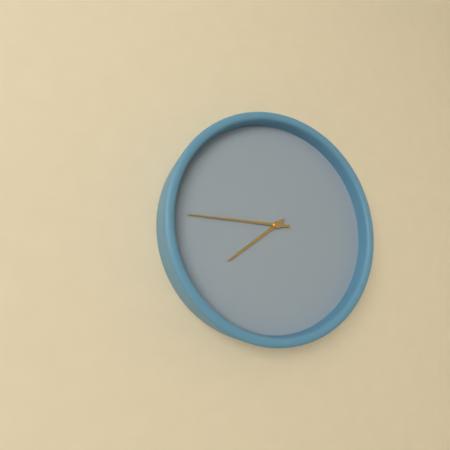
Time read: 7:45
